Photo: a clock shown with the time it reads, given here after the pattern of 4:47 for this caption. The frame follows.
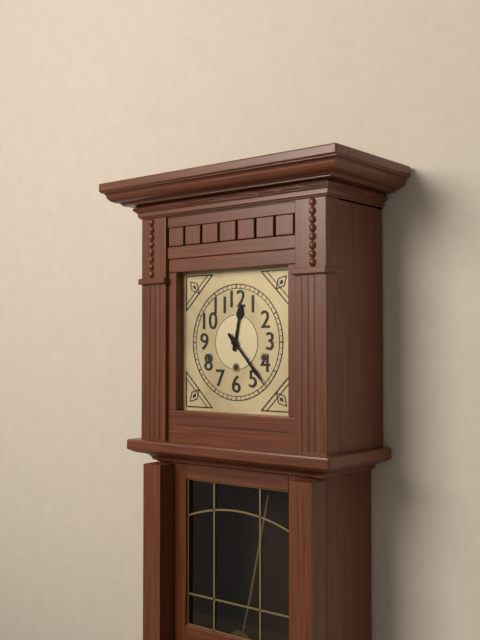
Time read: 12:23
